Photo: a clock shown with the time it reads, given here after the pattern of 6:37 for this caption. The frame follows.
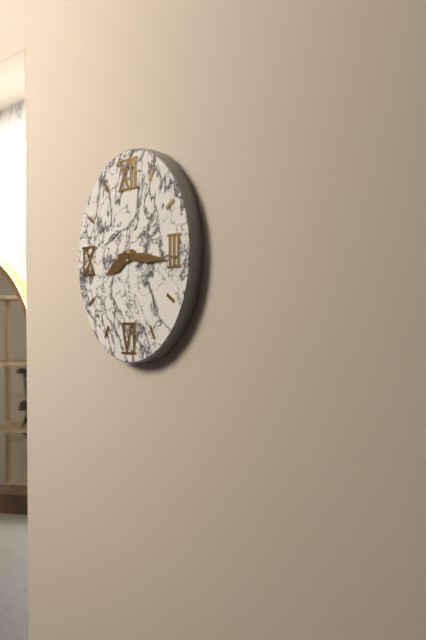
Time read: 8:16
